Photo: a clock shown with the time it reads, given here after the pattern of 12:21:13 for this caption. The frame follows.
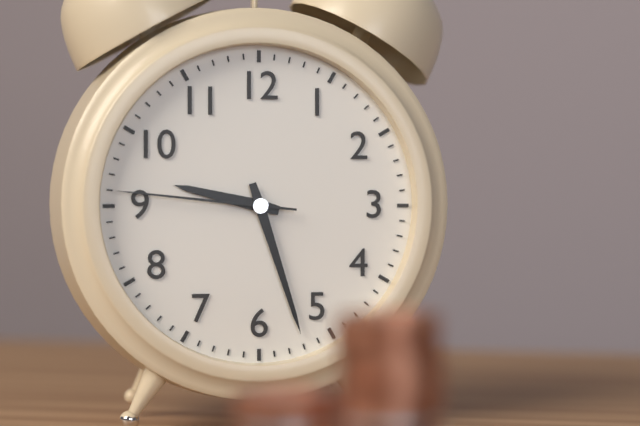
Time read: 9:27:46
